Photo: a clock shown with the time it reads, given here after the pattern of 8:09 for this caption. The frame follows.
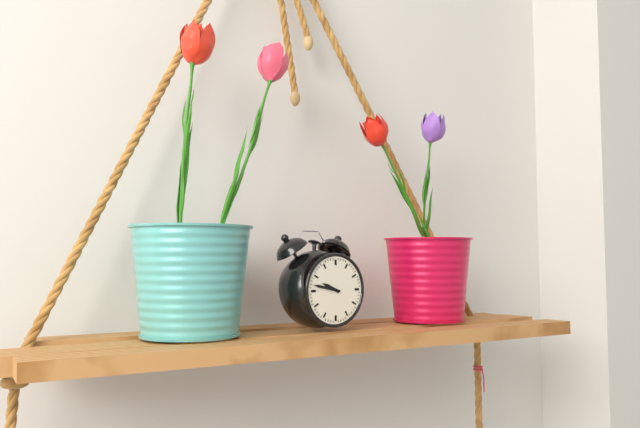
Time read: 9:47
